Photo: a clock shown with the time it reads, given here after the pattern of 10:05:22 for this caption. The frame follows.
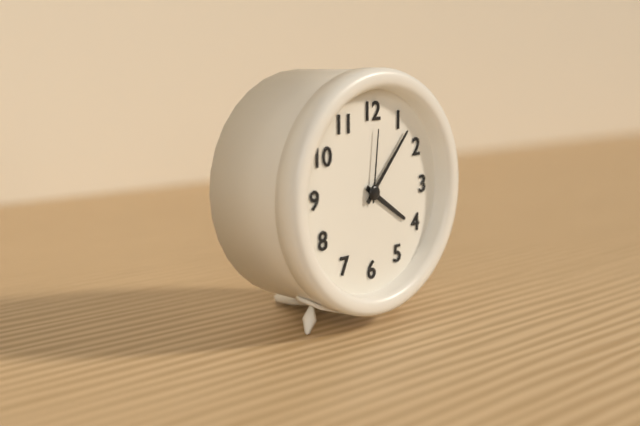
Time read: 4:07:01
